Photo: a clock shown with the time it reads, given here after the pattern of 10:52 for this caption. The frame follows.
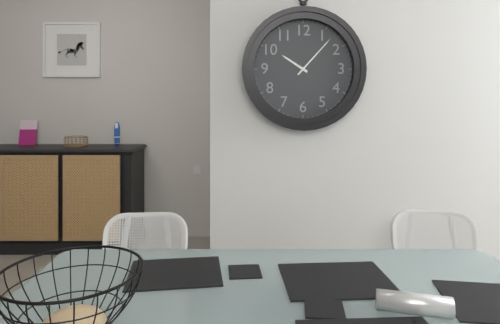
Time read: 10:07
